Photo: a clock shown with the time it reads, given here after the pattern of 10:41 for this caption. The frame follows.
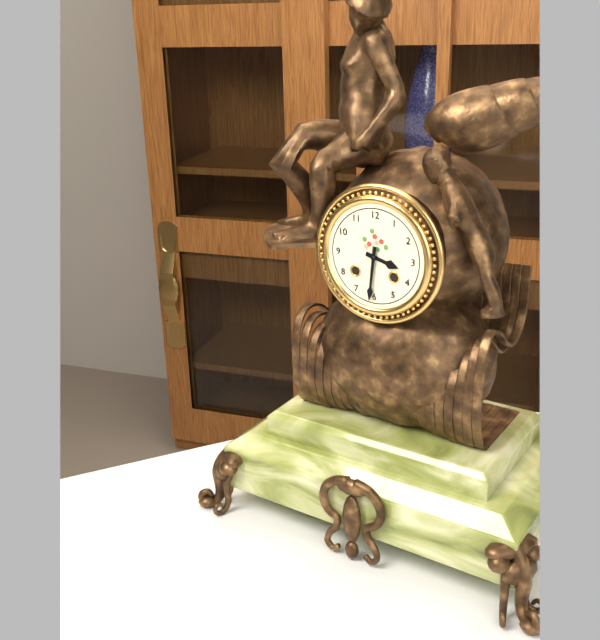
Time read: 3:31
